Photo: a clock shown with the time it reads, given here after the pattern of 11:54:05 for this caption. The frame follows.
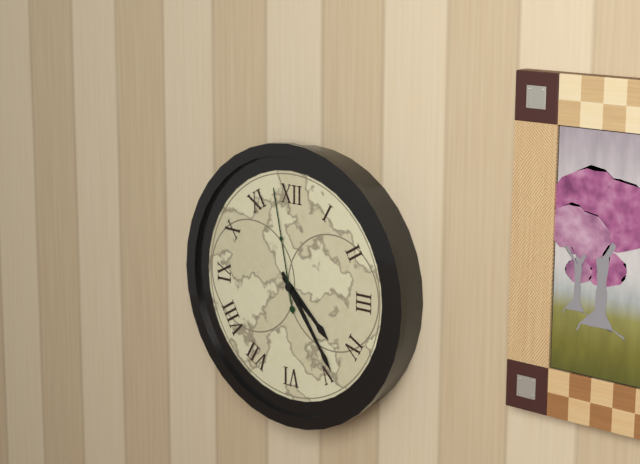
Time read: 4:24:58
